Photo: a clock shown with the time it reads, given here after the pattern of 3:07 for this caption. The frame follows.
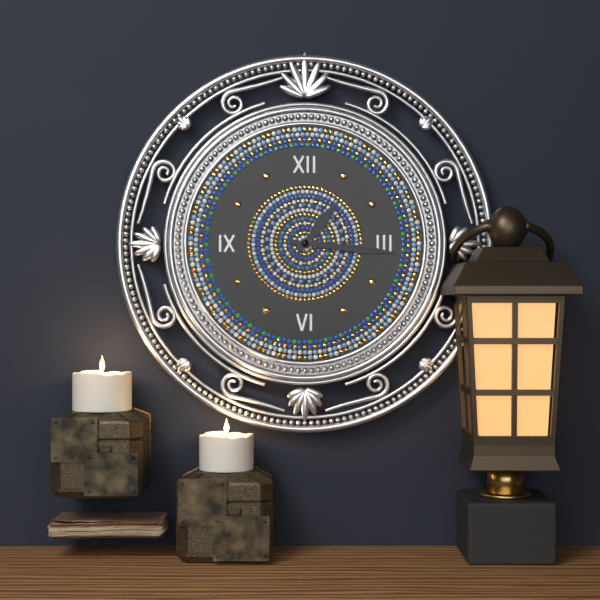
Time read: 1:16
